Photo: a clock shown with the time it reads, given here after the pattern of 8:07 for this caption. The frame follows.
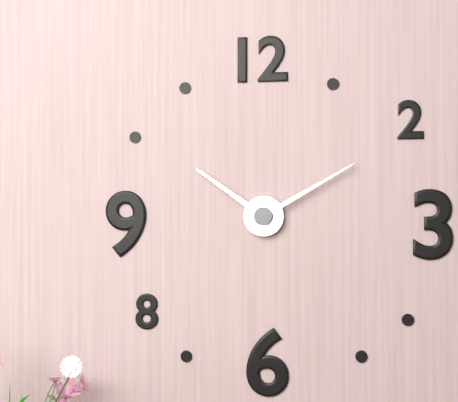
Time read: 10:10
